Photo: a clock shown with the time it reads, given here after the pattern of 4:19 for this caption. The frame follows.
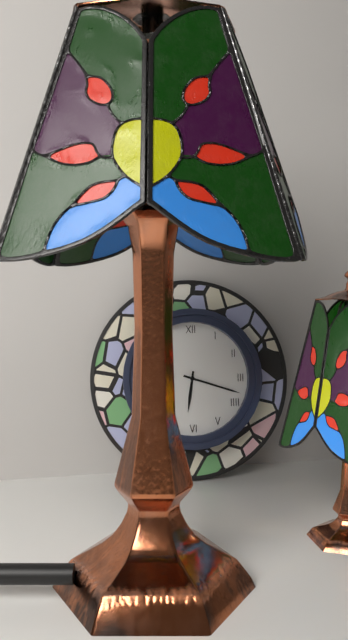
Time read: 6:18
